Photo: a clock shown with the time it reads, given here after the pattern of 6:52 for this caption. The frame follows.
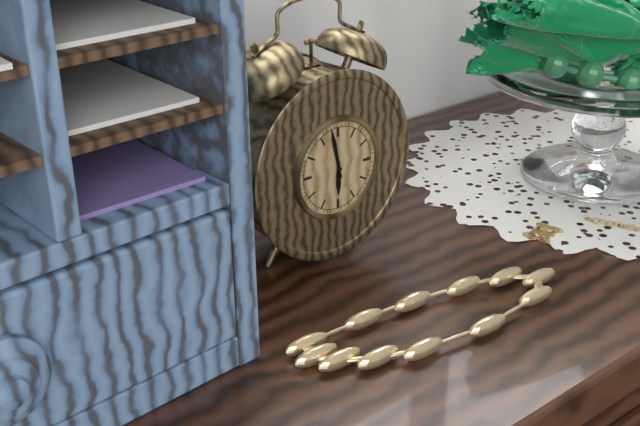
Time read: 5:58
